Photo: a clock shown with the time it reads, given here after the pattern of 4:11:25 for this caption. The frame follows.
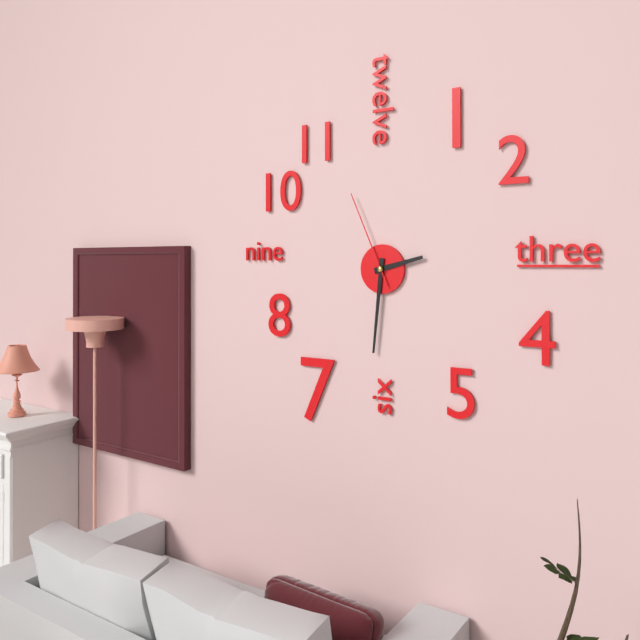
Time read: 2:31:56
